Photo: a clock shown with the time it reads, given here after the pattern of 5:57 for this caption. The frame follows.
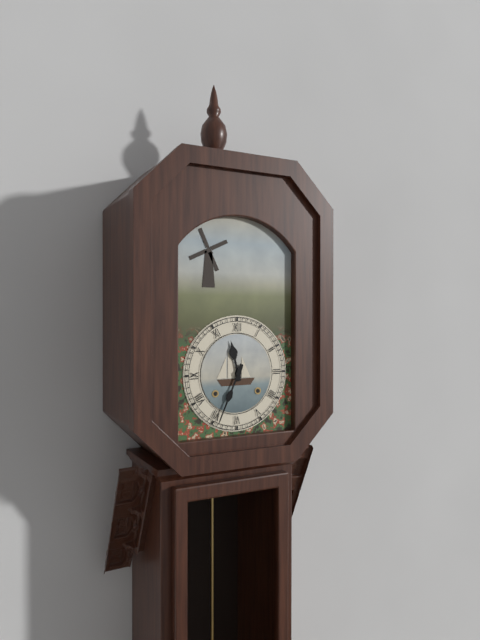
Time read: 11:34
